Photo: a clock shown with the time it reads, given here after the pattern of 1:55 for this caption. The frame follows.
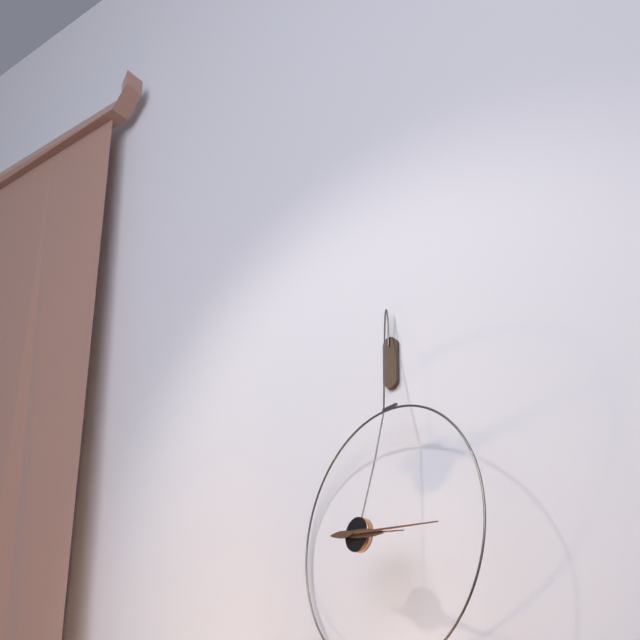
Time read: 3:16
